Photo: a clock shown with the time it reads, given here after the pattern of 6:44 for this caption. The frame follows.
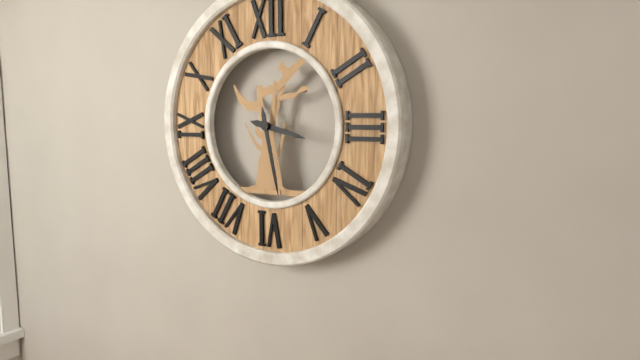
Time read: 3:28
